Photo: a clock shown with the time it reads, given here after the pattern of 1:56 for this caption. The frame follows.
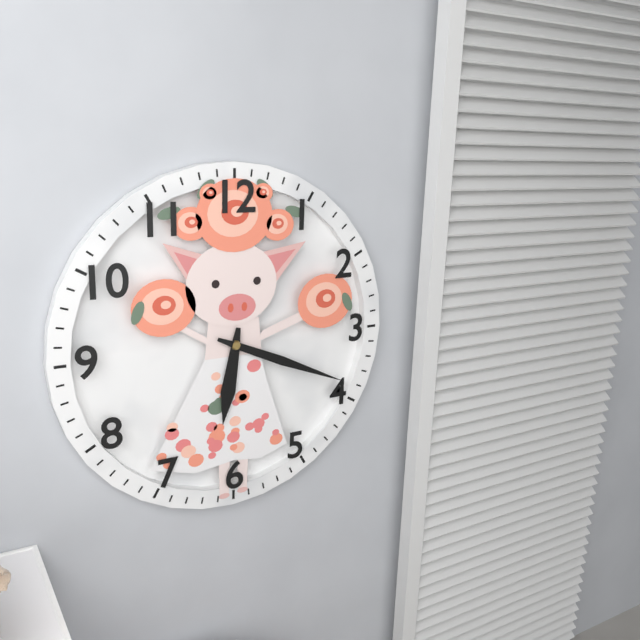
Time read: 6:19
